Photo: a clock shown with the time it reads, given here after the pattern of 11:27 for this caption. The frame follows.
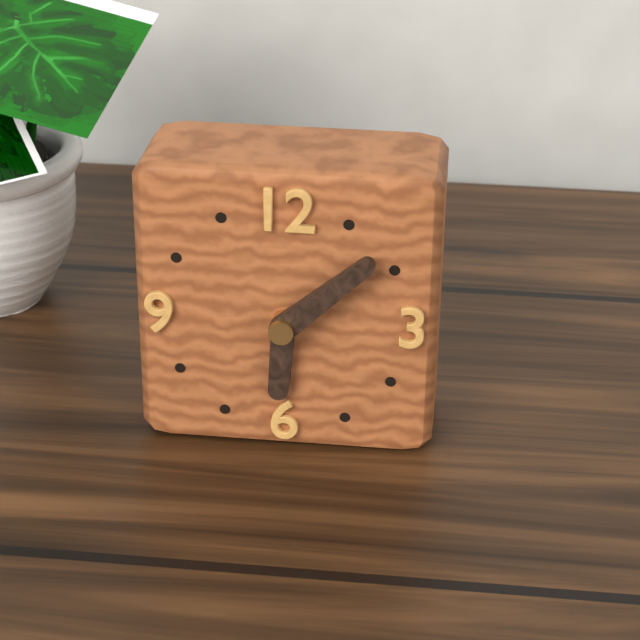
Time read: 6:08
